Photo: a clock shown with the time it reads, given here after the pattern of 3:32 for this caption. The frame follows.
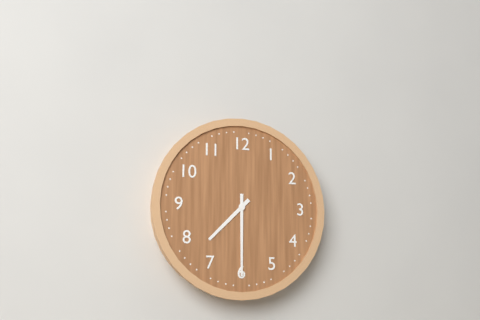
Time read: 7:30
